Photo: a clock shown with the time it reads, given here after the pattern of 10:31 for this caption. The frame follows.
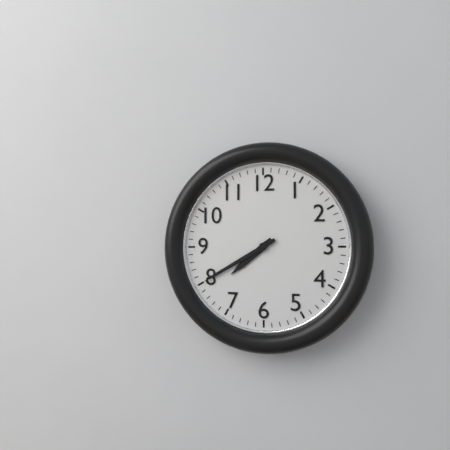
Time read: 7:40
